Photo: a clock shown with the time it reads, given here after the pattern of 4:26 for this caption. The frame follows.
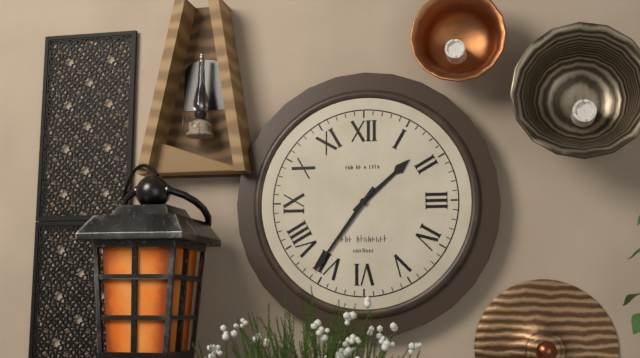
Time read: 1:36
